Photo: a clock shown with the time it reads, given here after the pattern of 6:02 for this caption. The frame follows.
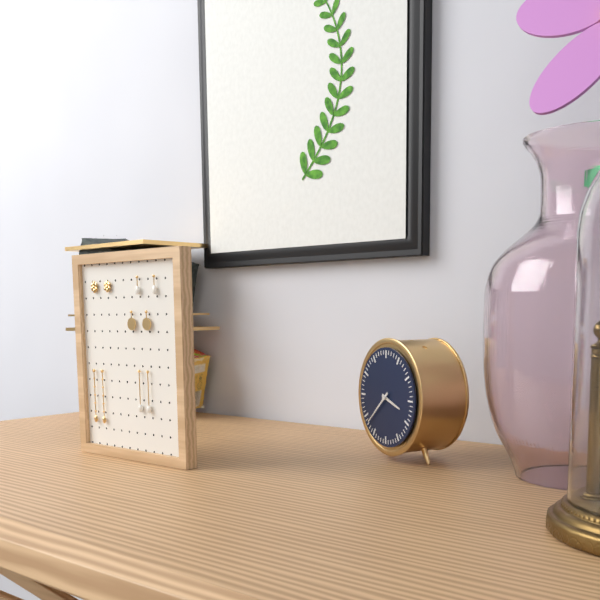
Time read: 3:38
